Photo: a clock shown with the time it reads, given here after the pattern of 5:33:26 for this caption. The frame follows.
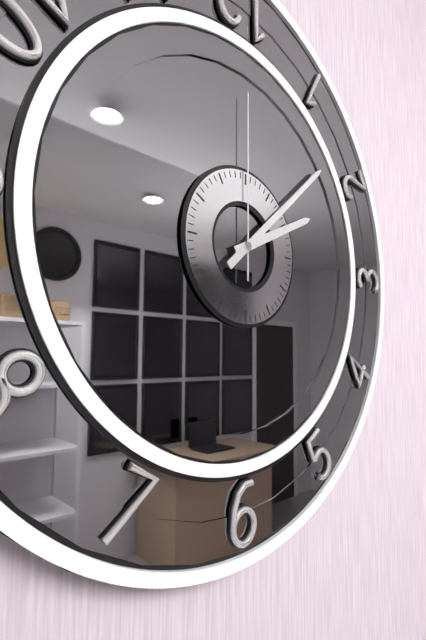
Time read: 2:08:00
